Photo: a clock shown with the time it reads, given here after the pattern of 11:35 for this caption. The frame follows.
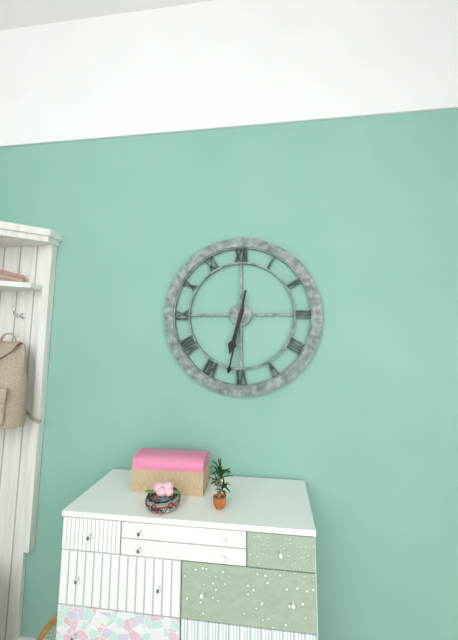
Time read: 6:32
